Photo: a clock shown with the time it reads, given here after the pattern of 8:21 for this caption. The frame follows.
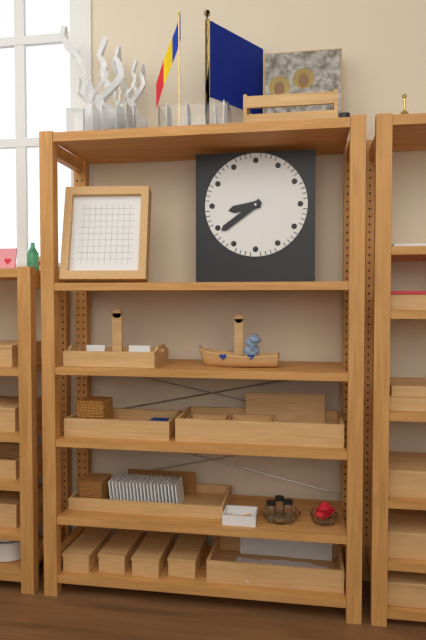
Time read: 8:39
